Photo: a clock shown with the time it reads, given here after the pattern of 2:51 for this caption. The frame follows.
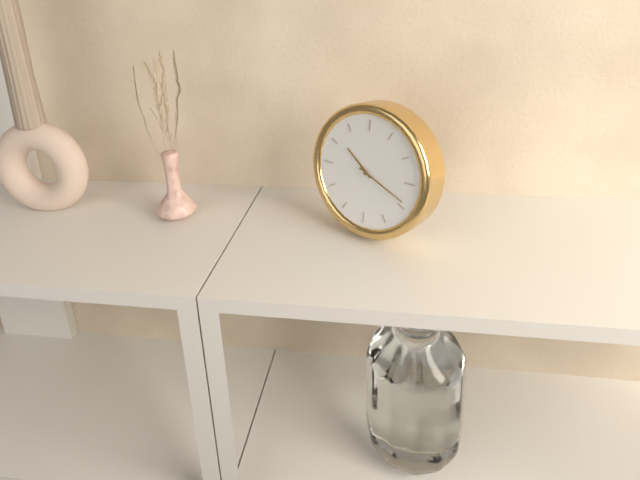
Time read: 10:19
